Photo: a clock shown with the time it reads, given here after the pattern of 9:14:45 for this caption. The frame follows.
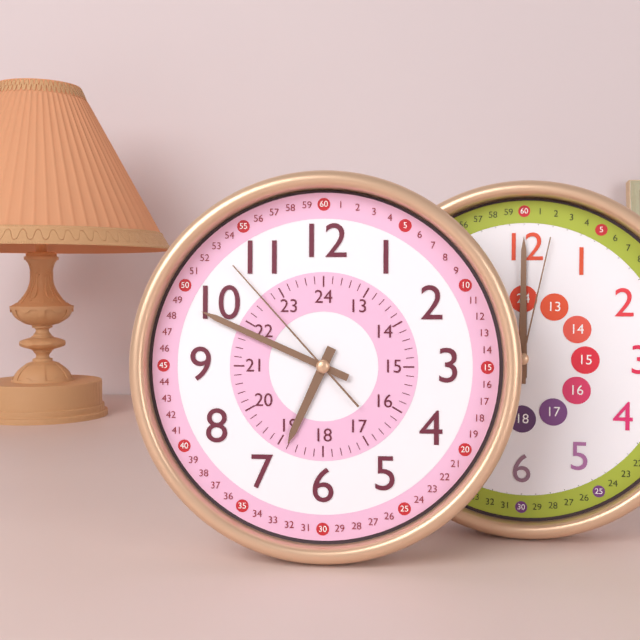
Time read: 6:49:53
